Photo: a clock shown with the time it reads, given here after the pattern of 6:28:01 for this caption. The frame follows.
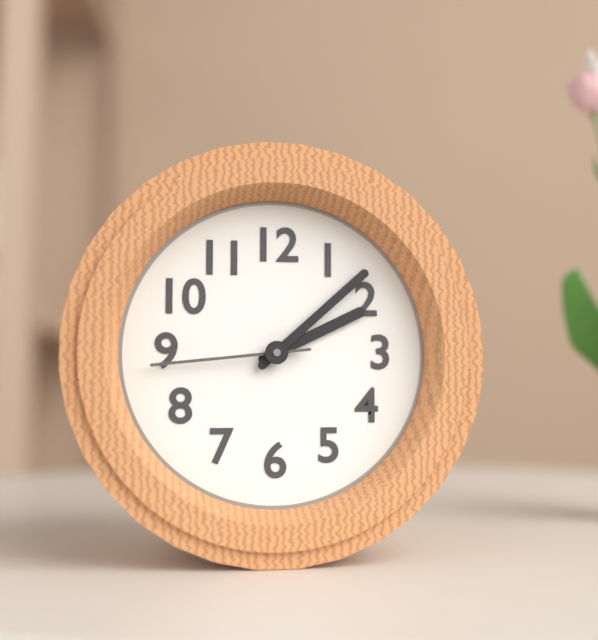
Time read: 2:08:44
